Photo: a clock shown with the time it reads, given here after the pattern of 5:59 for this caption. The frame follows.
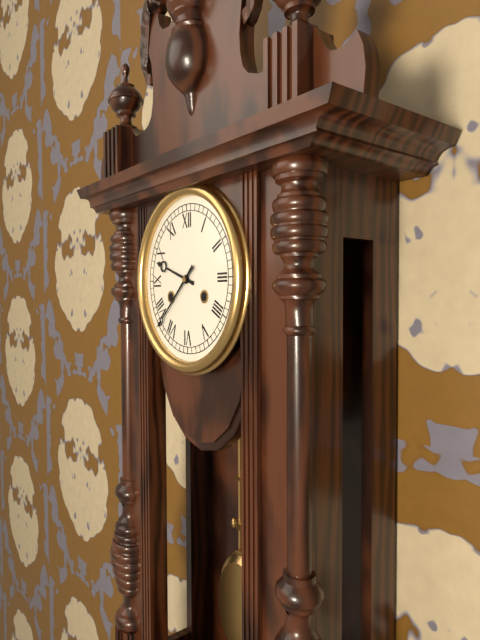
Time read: 9:38
